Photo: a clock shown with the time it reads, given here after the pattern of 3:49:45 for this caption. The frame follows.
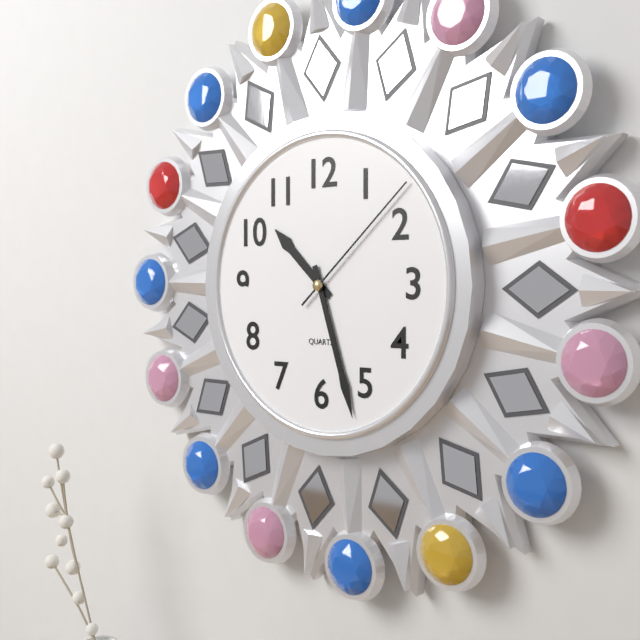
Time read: 10:27:08
